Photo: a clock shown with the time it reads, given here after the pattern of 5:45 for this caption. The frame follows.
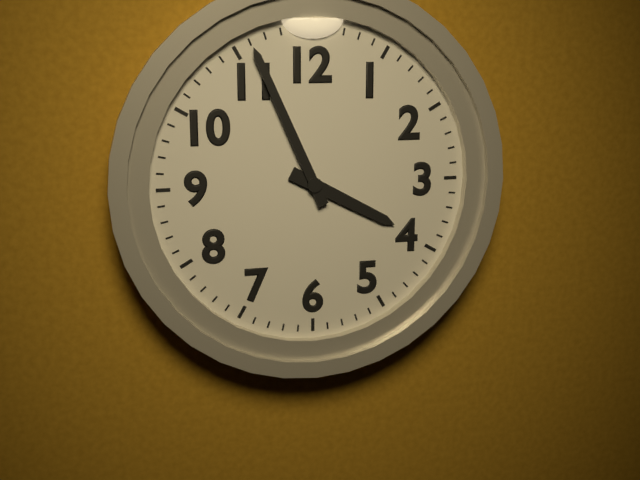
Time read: 3:56
